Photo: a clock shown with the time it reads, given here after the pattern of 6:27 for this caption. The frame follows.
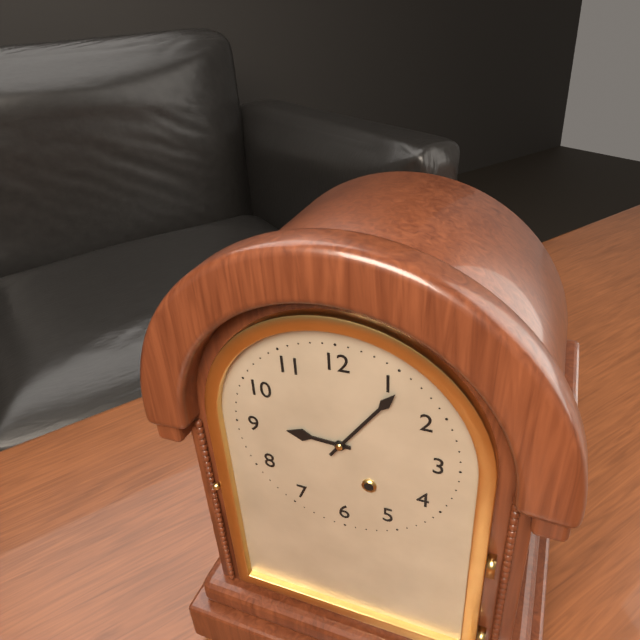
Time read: 9:06
